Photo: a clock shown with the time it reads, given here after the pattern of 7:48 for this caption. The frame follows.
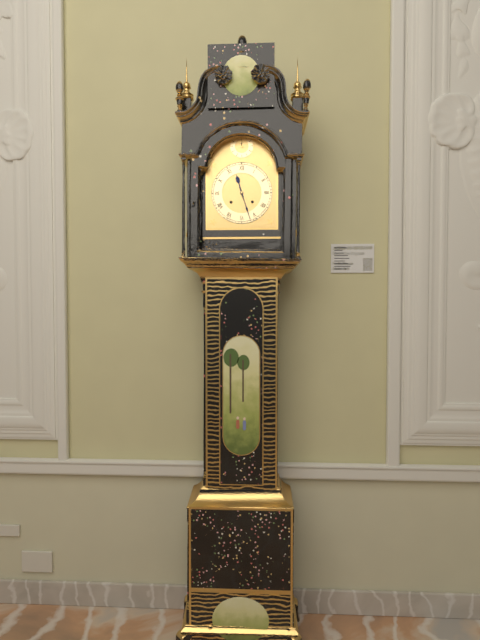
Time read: 11:27
